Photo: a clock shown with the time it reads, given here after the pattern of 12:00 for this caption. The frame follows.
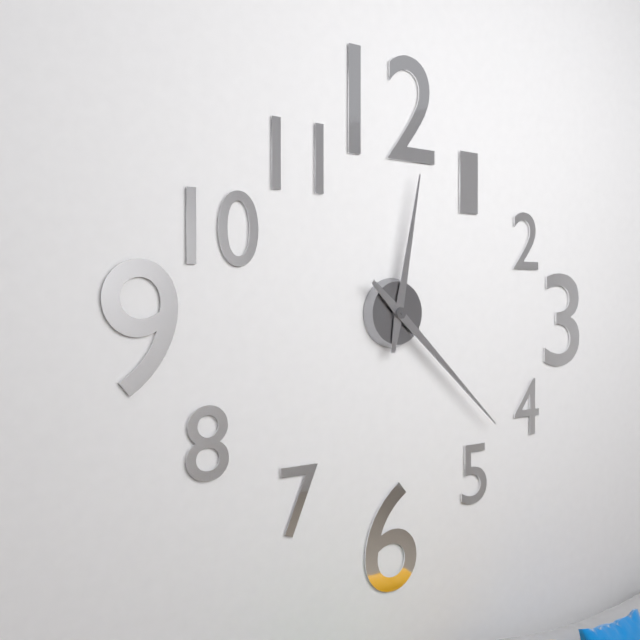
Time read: 12:22
